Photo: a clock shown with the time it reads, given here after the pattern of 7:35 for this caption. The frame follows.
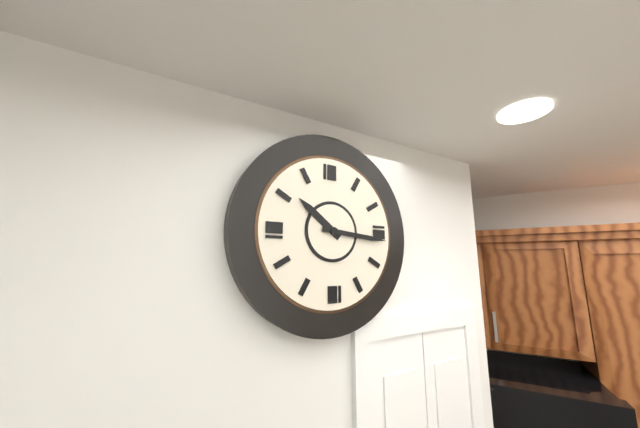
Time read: 10:16
